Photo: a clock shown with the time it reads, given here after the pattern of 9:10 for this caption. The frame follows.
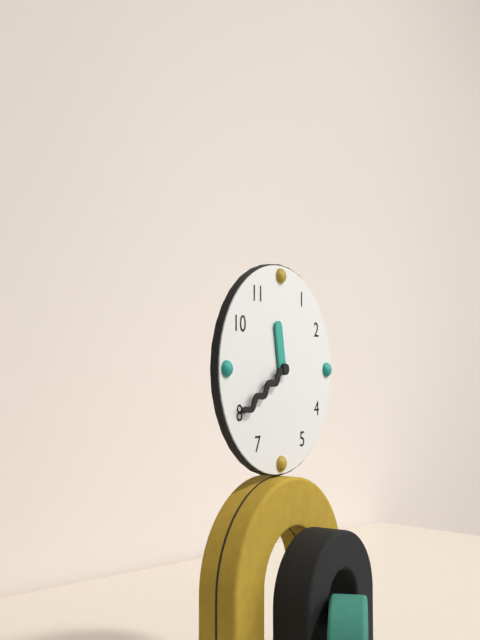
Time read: 11:40
